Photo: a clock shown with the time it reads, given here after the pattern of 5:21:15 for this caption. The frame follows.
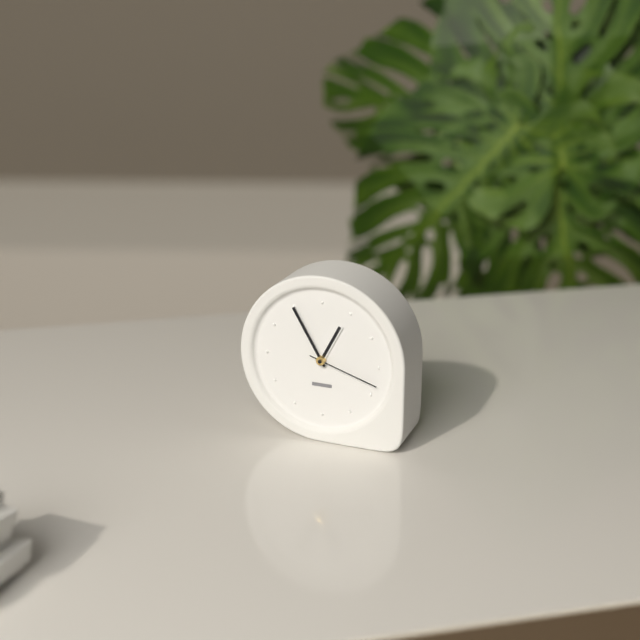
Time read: 12:55:18
